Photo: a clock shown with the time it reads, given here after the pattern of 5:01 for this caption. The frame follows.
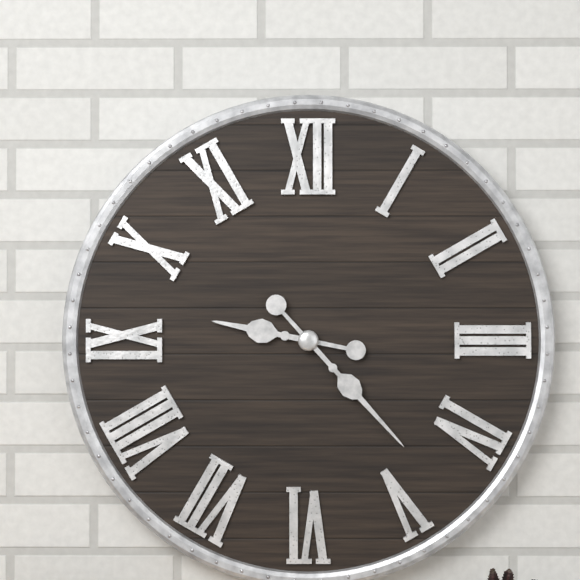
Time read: 9:23
